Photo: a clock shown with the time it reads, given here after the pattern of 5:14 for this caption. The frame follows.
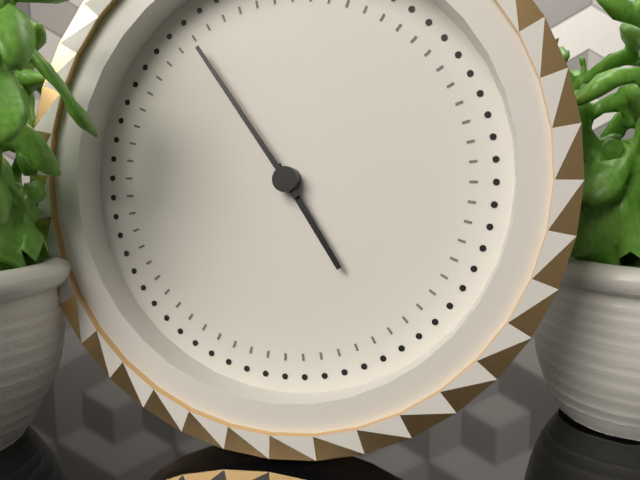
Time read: 4:54
